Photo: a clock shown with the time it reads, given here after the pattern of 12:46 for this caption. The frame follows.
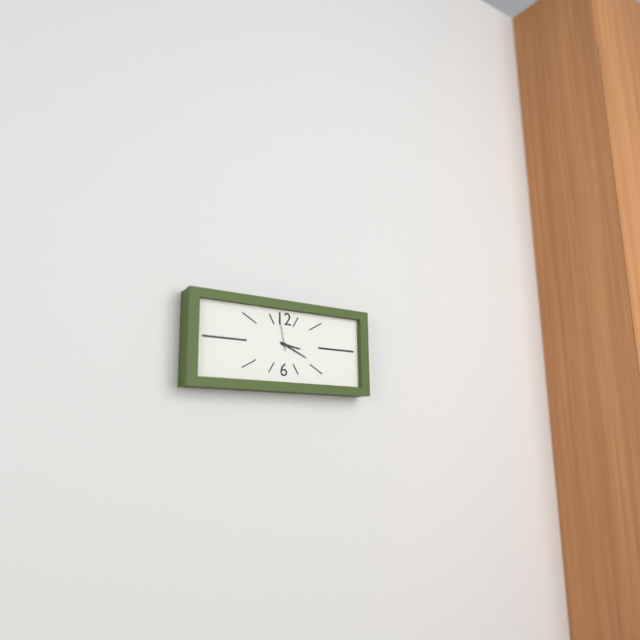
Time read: 3:19
